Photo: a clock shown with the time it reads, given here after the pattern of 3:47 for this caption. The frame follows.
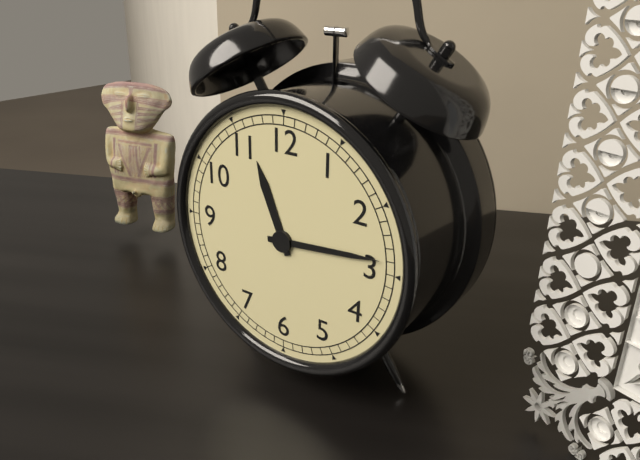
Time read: 11:14
